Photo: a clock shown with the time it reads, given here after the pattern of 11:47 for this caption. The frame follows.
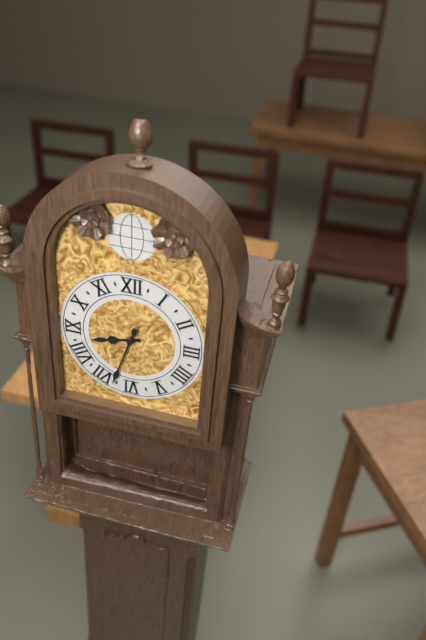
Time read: 8:33
